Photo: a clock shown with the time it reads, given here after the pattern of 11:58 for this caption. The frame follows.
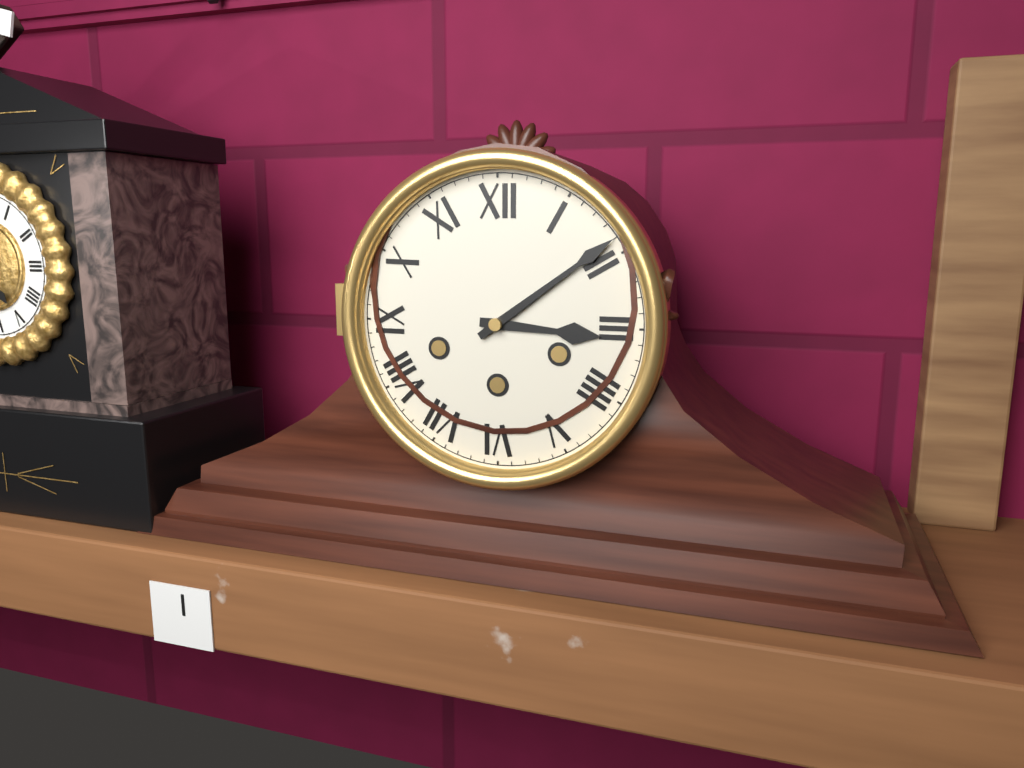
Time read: 3:09
